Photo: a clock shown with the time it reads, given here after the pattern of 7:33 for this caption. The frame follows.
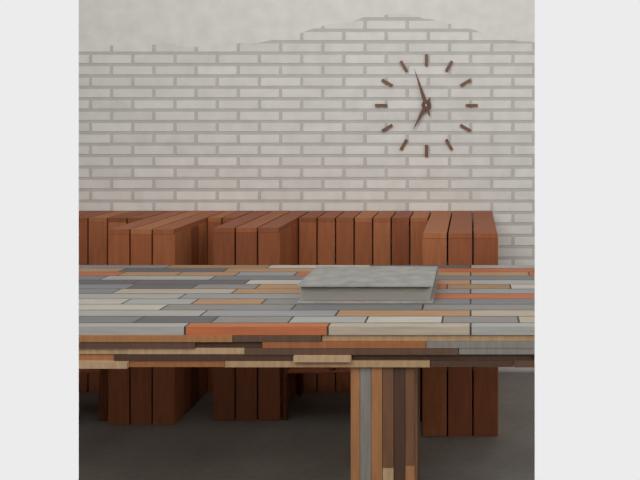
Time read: 6:57
